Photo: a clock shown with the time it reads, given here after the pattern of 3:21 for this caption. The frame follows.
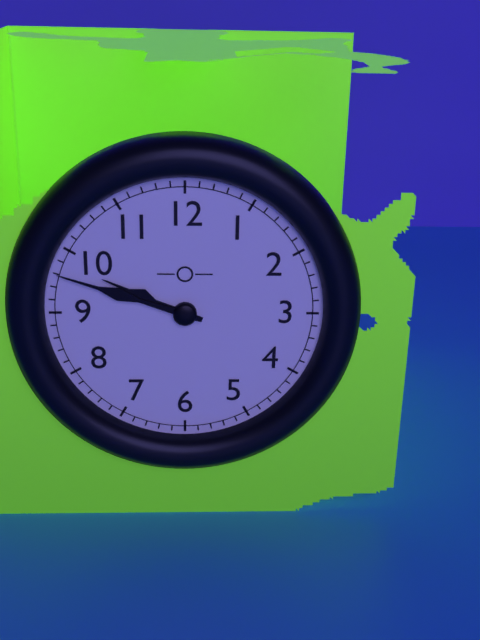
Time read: 9:48
